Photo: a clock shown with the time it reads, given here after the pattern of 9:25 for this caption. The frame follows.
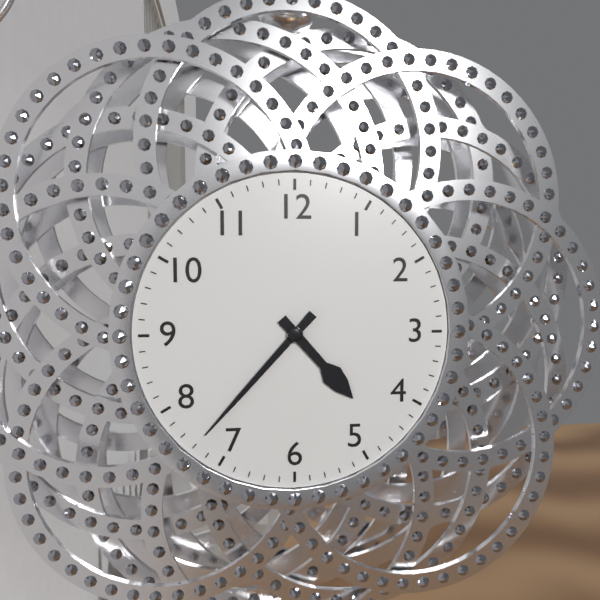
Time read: 4:37
